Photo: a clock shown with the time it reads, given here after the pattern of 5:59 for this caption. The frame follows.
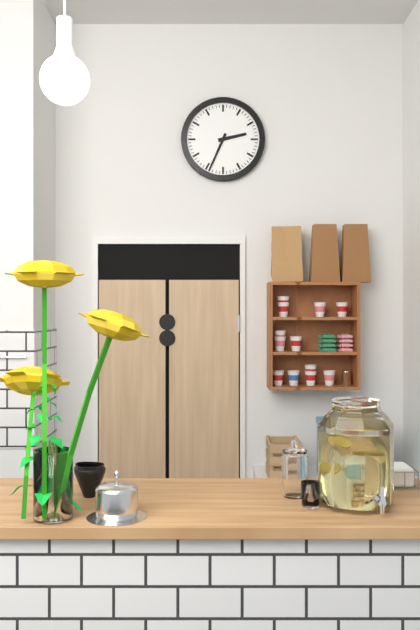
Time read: 2:34
